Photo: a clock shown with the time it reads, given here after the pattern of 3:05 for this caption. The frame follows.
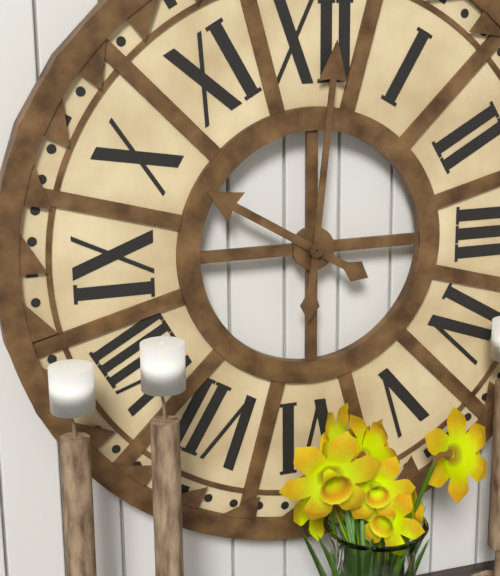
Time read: 10:01
